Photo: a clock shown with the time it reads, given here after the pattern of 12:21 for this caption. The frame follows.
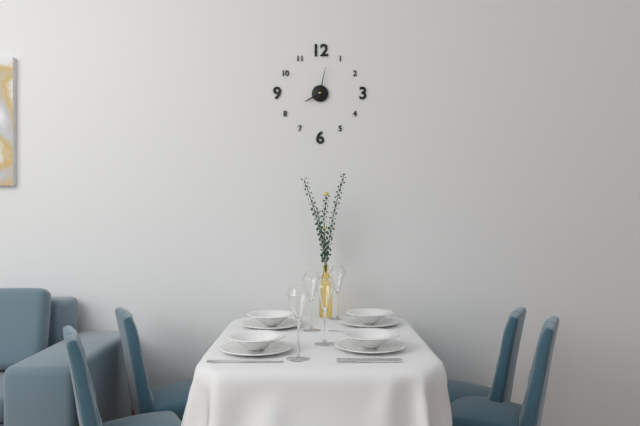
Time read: 8:02
